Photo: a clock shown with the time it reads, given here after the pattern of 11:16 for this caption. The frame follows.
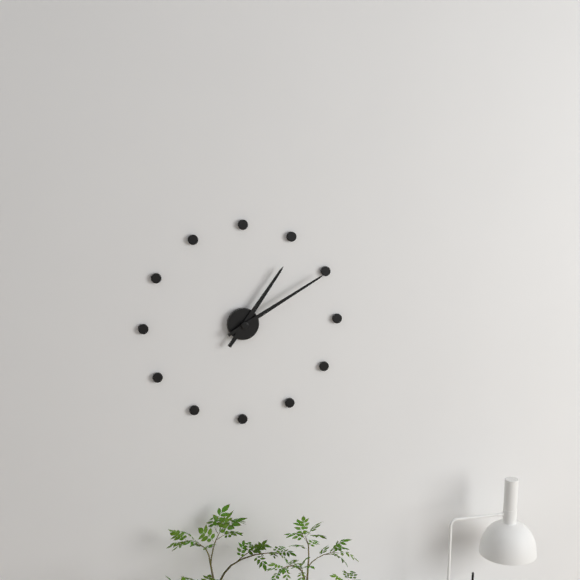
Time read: 1:10
